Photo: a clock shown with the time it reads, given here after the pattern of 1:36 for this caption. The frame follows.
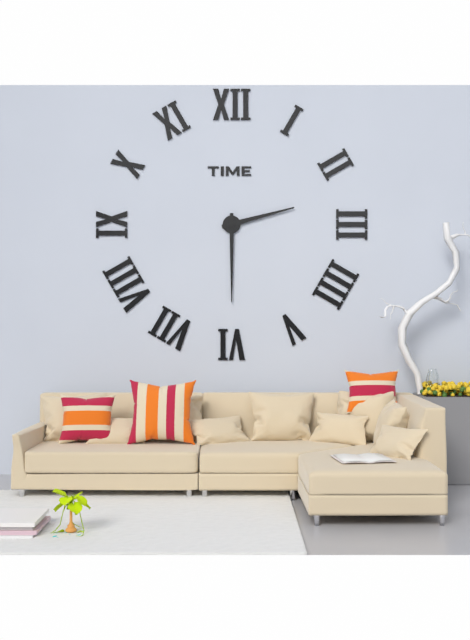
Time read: 2:30
